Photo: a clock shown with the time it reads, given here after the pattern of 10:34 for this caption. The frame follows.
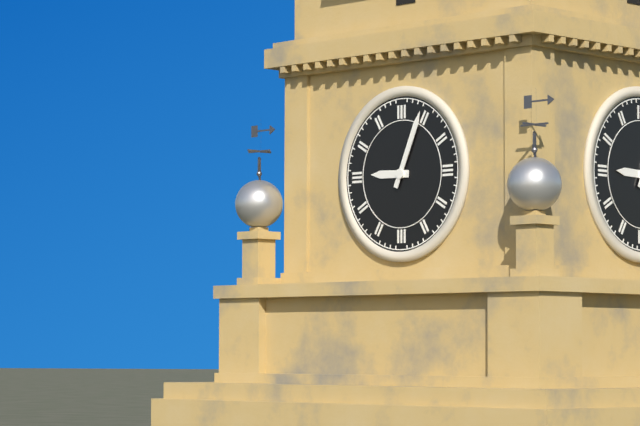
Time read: 9:04
